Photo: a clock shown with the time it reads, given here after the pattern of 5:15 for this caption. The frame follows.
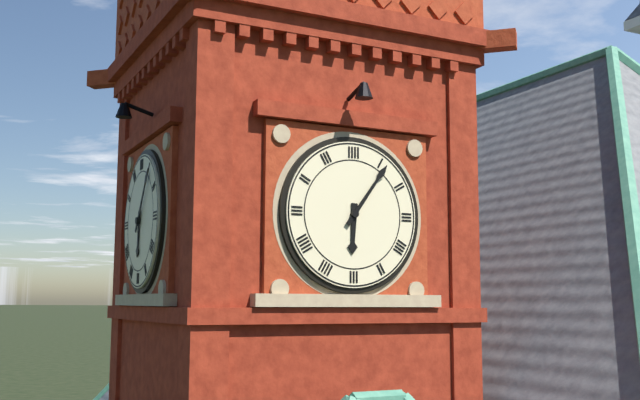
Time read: 6:06
